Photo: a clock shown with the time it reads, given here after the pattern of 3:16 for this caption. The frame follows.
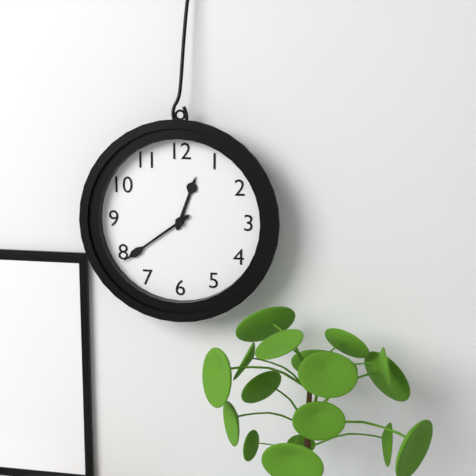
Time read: 12:39
